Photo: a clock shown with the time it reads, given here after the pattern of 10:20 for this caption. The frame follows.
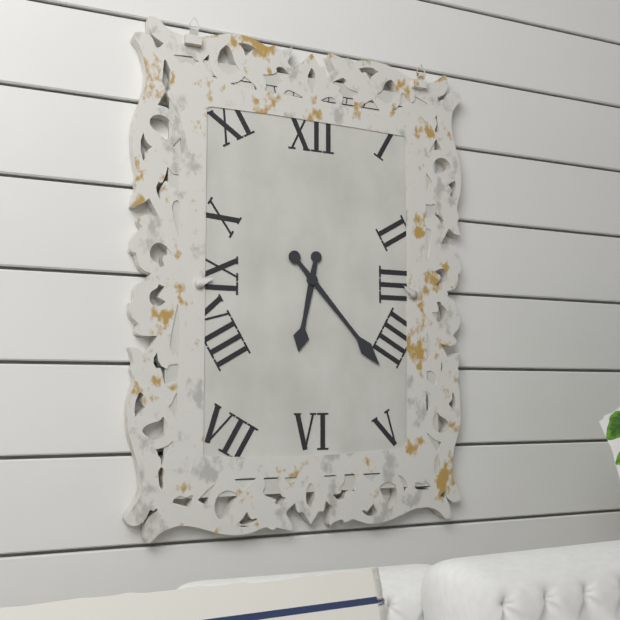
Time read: 6:23
